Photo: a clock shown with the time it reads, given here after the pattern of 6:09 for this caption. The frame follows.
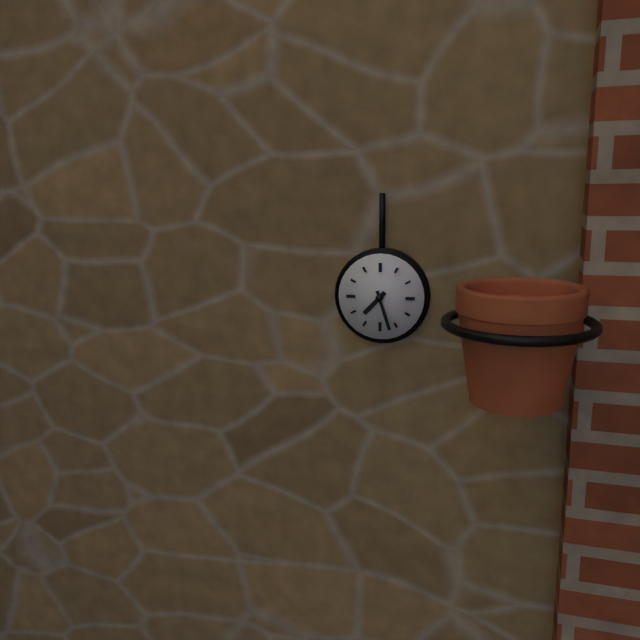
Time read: 7:27
